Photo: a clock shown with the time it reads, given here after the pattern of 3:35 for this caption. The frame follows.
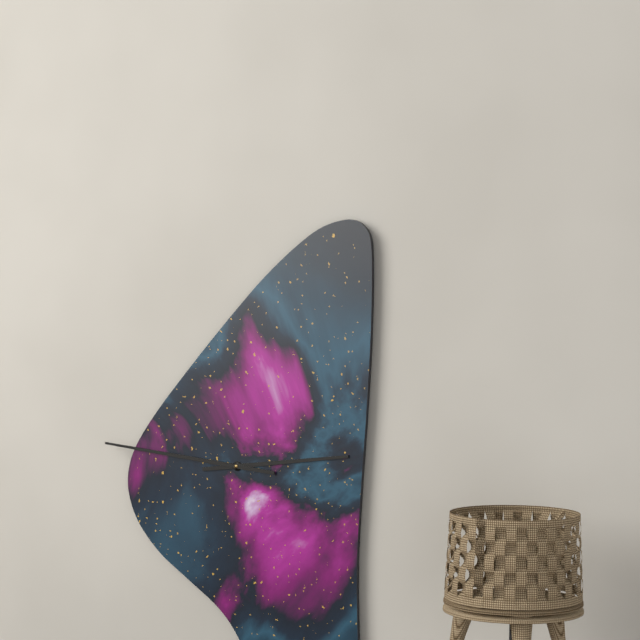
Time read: 2:46
